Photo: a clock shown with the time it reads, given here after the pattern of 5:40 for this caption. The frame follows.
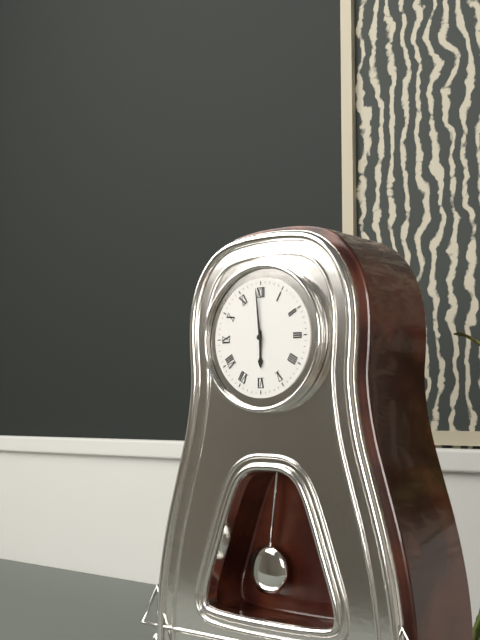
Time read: 5:59
